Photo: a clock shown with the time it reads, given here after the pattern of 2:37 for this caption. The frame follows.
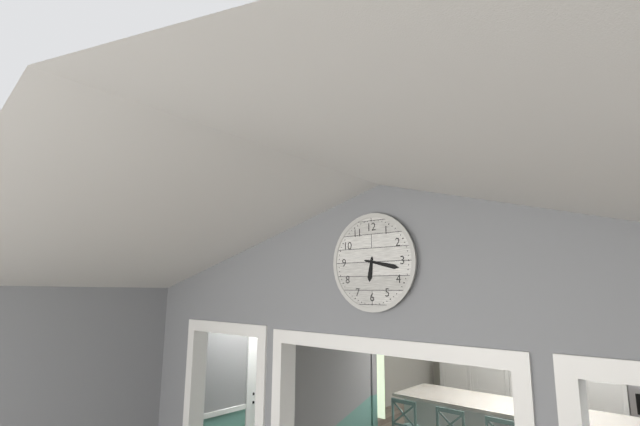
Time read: 6:17
